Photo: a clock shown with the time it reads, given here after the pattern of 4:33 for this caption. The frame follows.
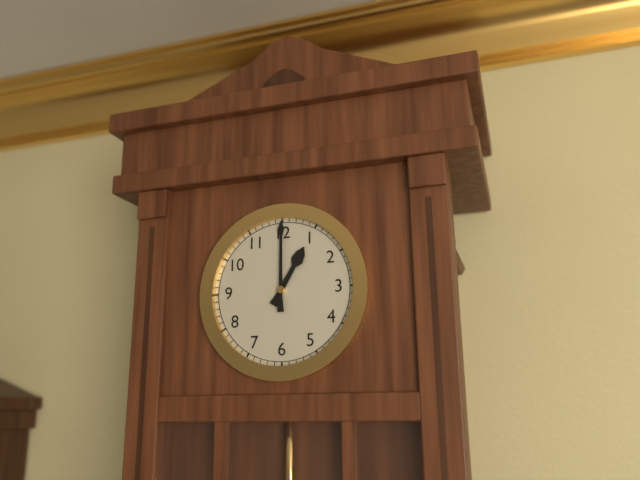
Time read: 1:00
